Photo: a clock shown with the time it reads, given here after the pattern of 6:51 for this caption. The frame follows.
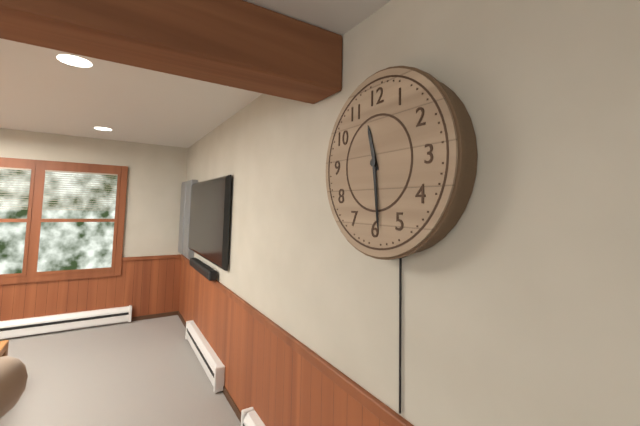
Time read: 11:29
